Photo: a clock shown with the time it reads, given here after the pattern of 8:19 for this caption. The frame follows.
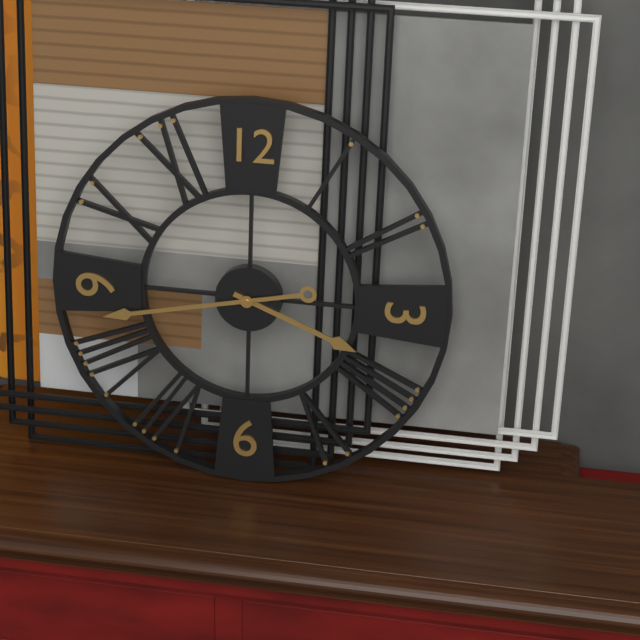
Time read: 3:43
